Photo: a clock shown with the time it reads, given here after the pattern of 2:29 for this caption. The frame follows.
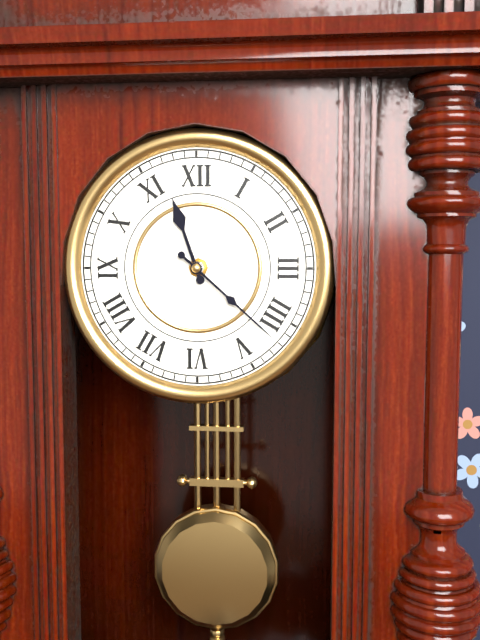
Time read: 11:22
